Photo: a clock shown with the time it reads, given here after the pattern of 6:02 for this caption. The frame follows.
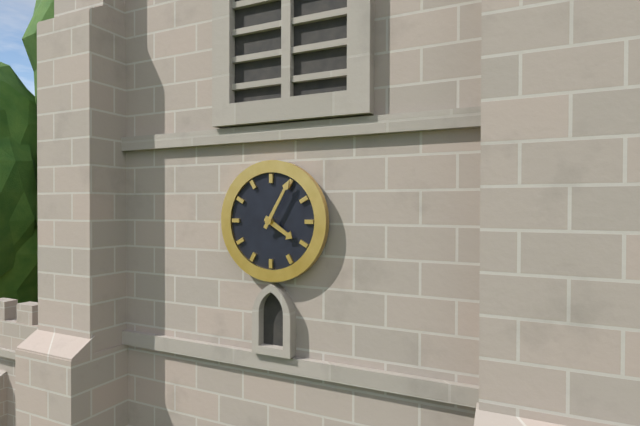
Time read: 4:05
